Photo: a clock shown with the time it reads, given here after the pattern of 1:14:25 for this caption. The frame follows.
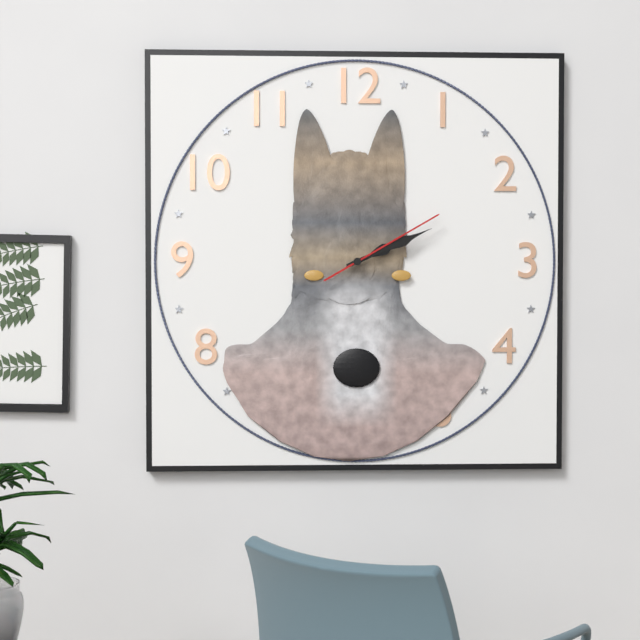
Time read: 2:11:10
